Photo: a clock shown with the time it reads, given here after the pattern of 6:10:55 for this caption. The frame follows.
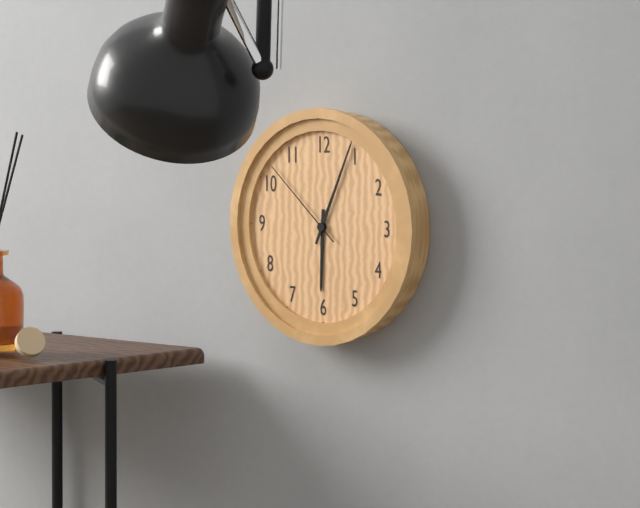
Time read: 6:04:52
